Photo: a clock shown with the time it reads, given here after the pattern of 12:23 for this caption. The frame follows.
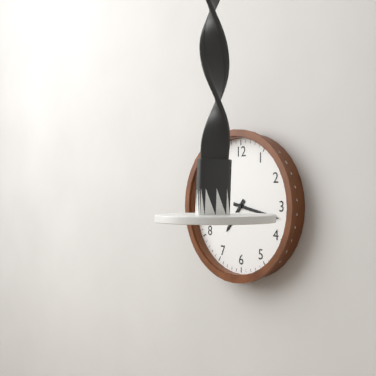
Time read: 7:17
